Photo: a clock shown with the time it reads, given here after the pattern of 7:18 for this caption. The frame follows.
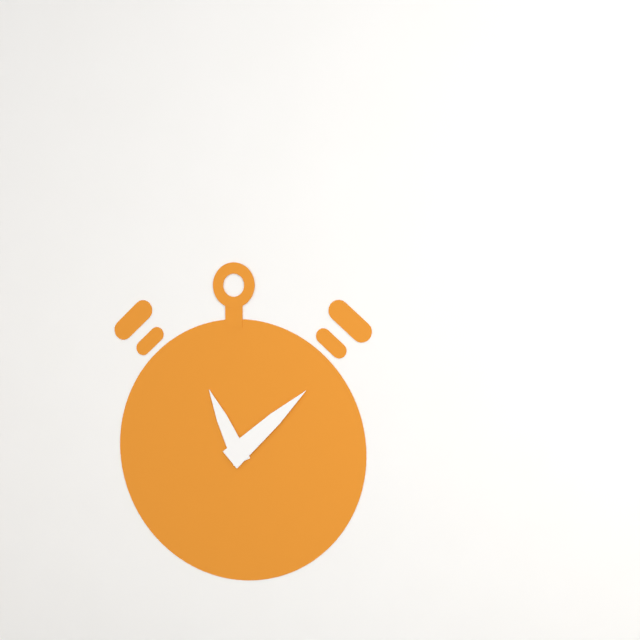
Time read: 11:08
